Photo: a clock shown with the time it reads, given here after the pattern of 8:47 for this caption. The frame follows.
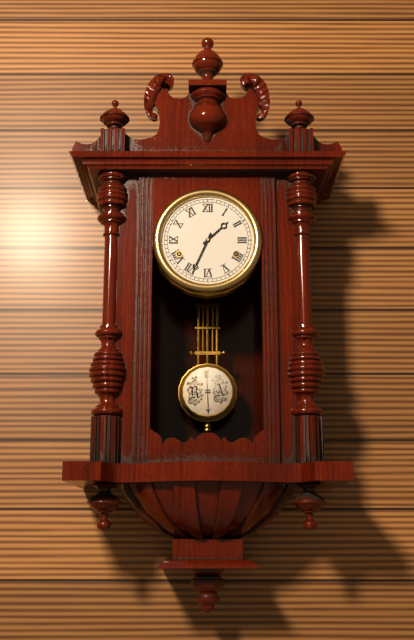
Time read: 1:34
